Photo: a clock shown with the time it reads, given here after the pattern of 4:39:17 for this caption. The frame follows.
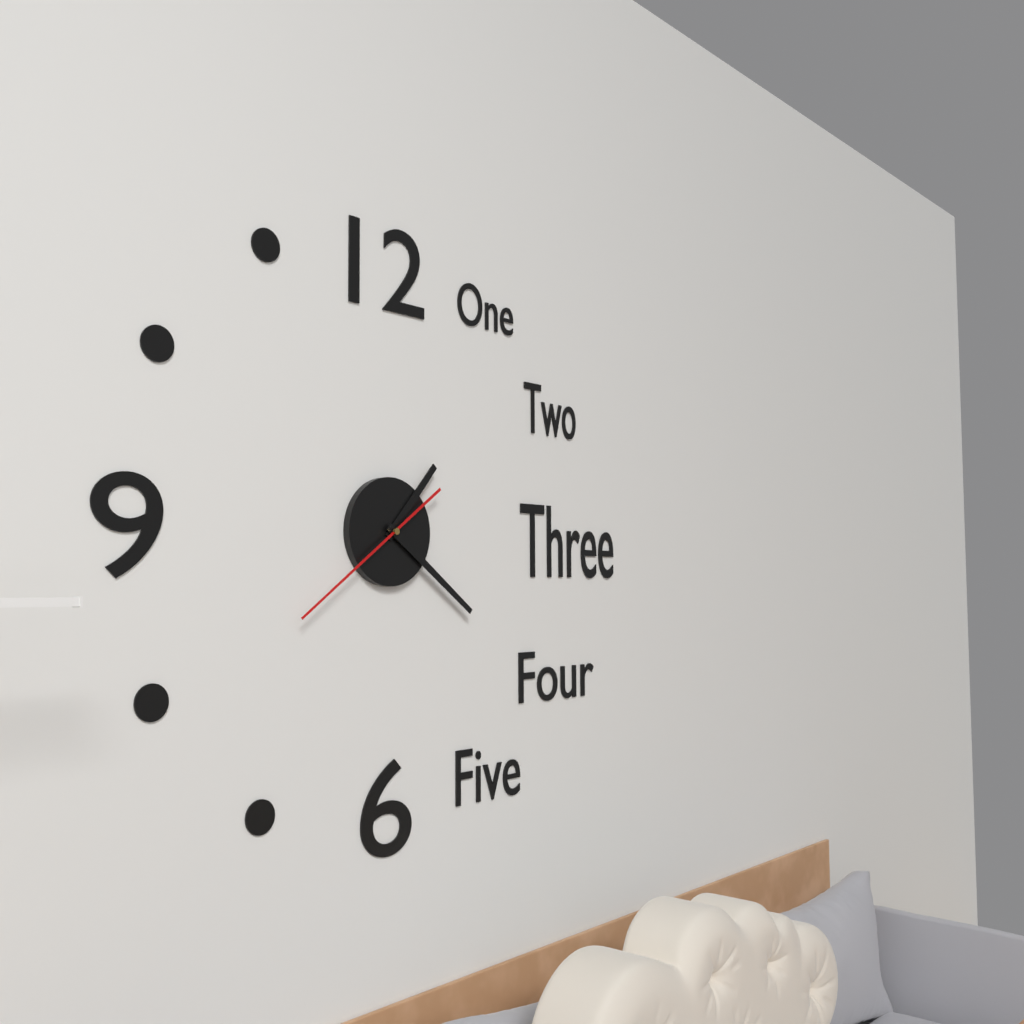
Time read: 1:21:39
